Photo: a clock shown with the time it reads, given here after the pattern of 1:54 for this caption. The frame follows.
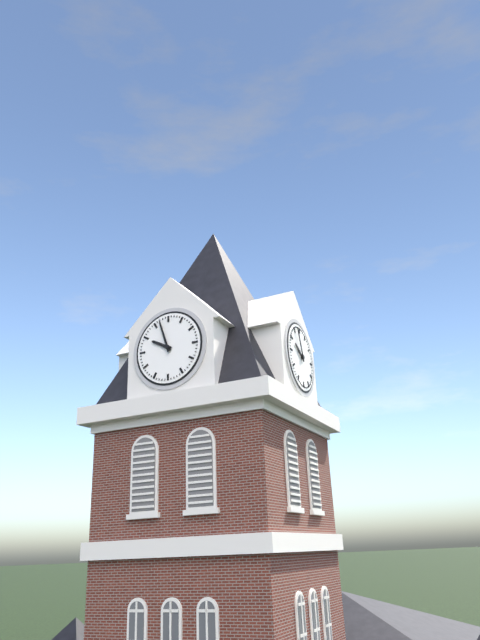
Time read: 9:57
